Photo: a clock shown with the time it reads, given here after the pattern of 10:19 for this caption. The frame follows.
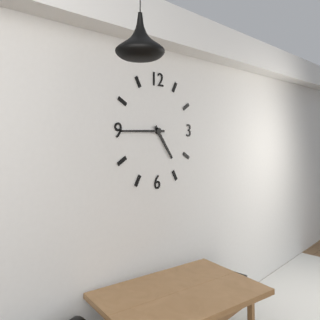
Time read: 4:45
